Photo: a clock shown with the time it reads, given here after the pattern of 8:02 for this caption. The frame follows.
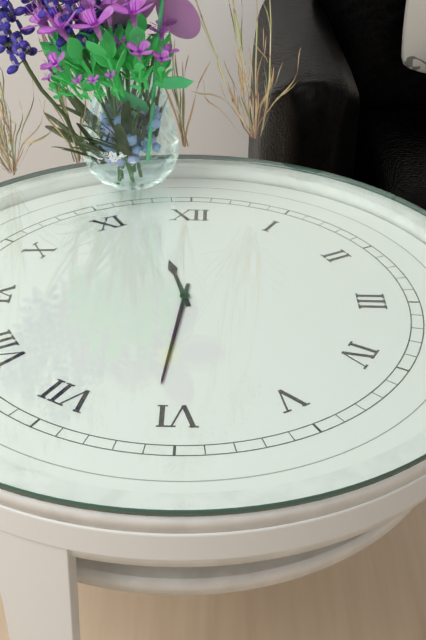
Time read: 11:31
